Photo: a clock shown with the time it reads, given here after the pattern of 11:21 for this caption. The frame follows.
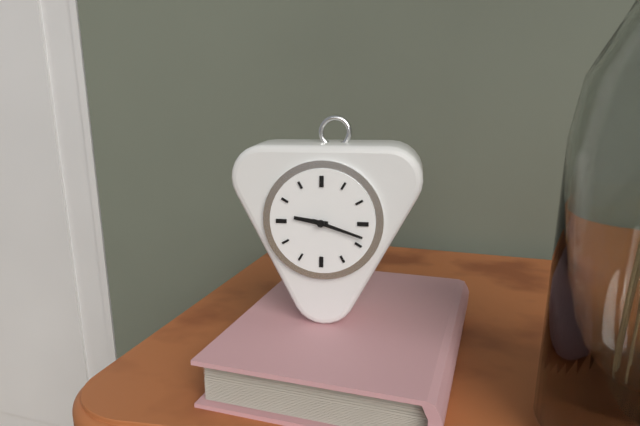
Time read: 9:18
